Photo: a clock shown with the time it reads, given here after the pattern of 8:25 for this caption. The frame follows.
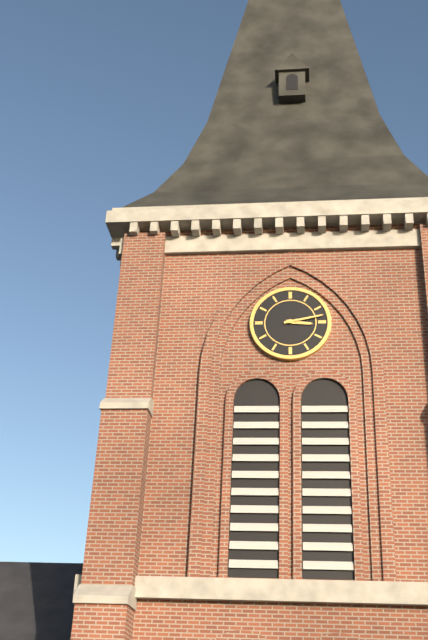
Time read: 3:13
